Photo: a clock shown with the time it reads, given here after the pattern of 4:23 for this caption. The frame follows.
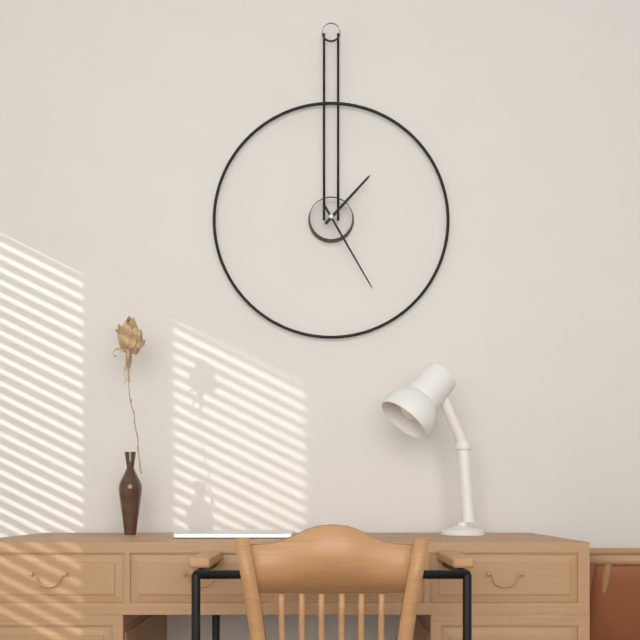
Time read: 1:25
